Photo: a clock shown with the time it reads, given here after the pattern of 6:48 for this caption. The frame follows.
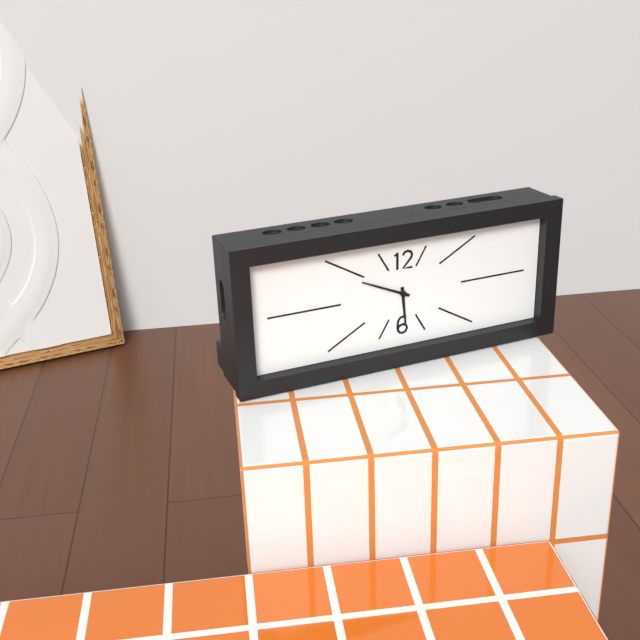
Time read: 5:49
